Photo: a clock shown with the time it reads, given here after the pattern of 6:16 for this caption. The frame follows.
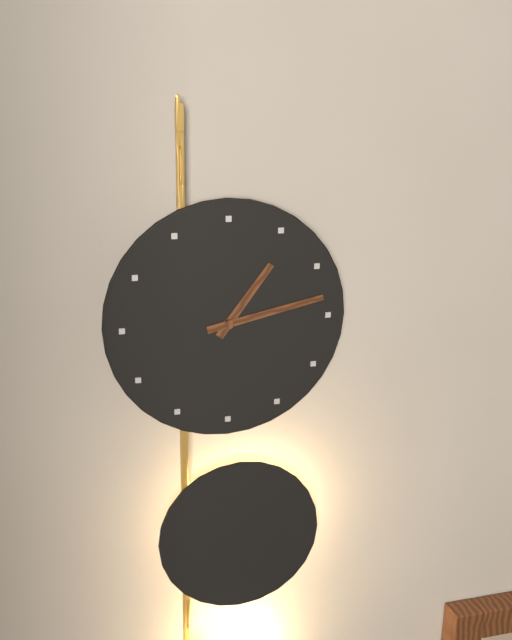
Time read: 1:13
